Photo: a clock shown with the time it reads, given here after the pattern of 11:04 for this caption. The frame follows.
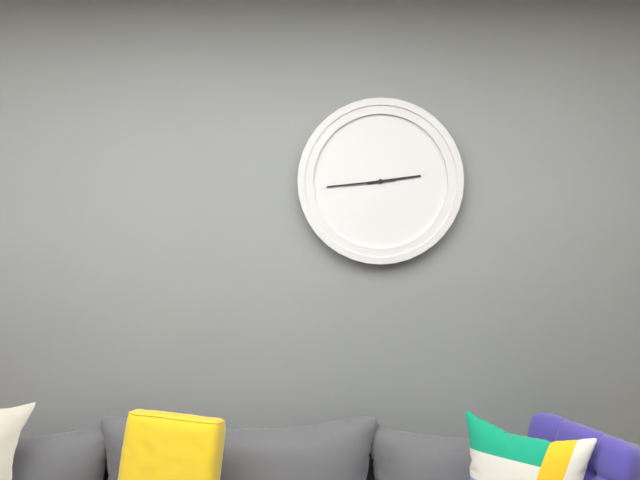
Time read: 2:44
